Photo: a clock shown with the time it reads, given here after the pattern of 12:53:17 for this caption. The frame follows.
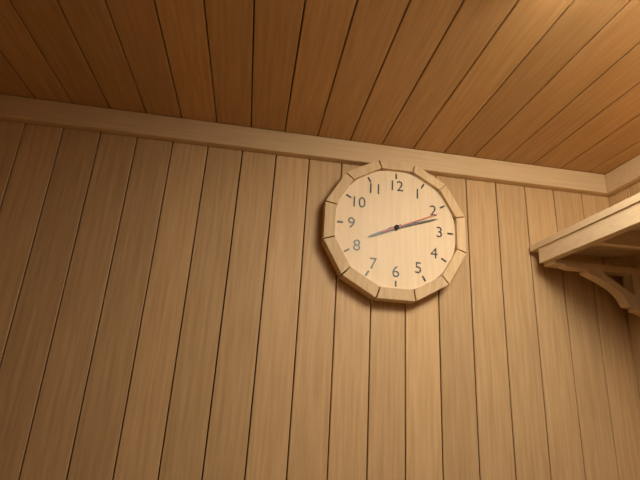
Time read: 8:12:11
